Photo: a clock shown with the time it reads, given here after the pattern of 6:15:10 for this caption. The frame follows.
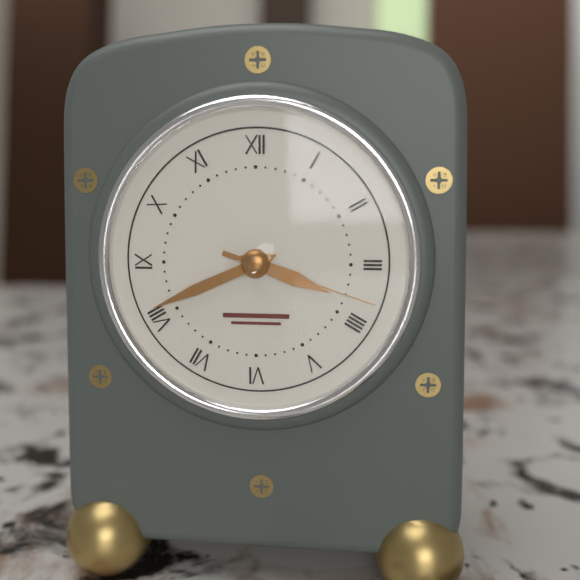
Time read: 3:41:18
